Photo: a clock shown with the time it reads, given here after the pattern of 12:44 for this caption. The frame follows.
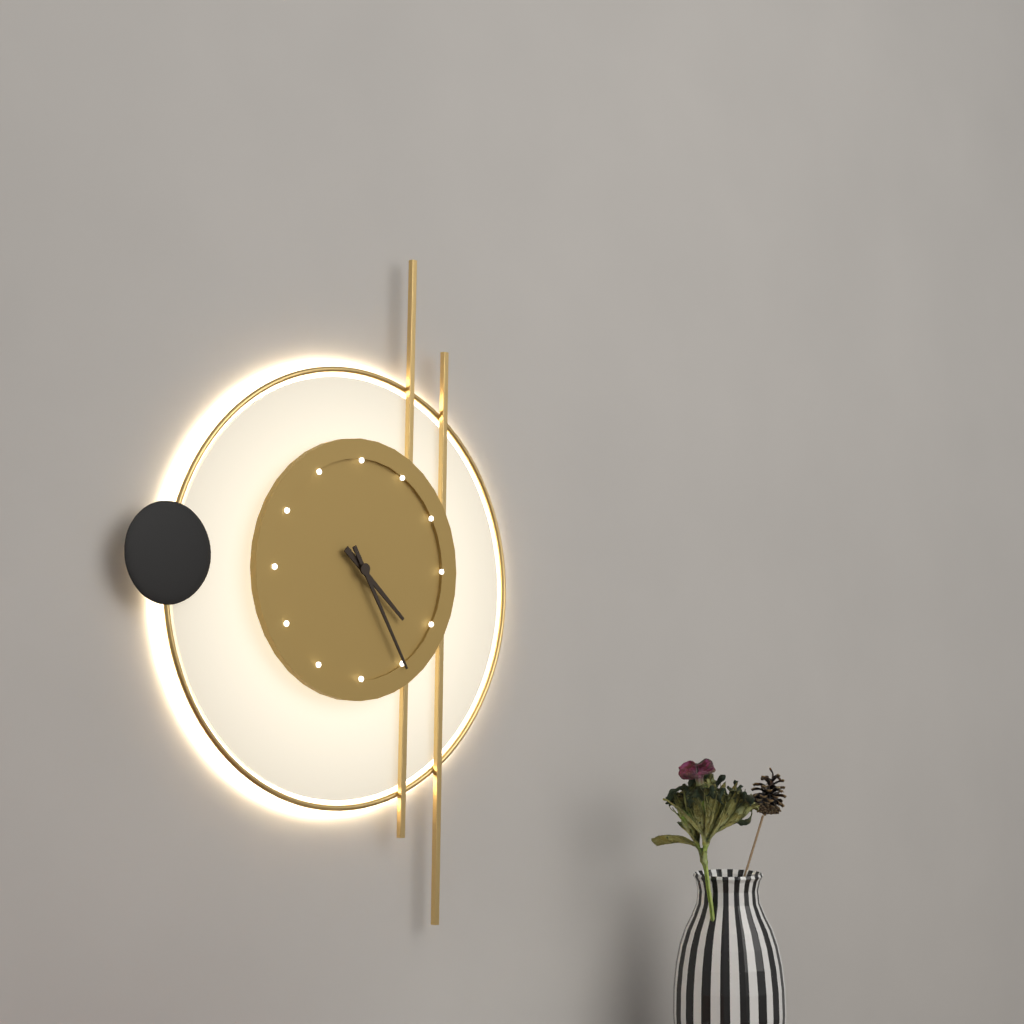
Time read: 4:25
